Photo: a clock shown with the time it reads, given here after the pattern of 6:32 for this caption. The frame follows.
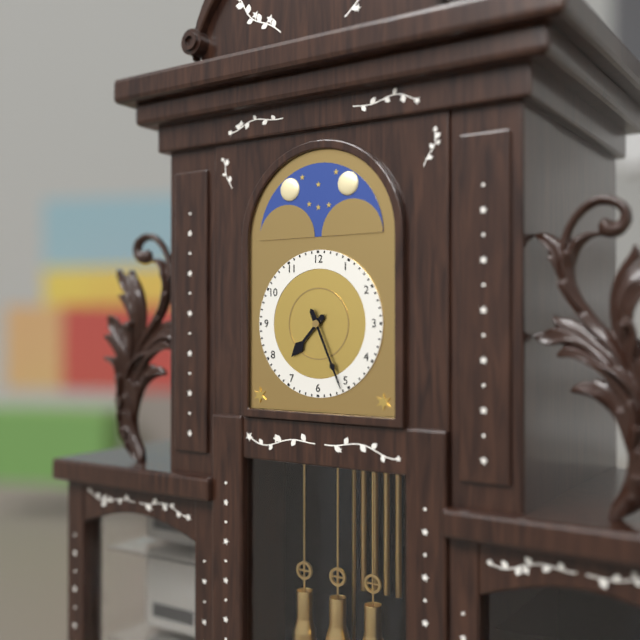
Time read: 7:26
